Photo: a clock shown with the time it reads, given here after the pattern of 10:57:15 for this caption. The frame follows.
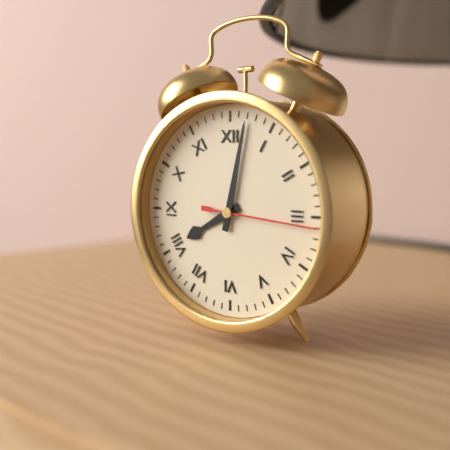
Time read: 8:02:16
